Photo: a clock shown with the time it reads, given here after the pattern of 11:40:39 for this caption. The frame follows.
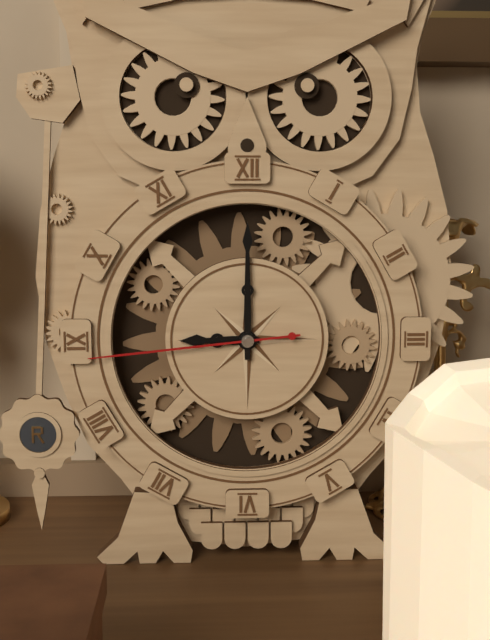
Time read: 9:00:44
